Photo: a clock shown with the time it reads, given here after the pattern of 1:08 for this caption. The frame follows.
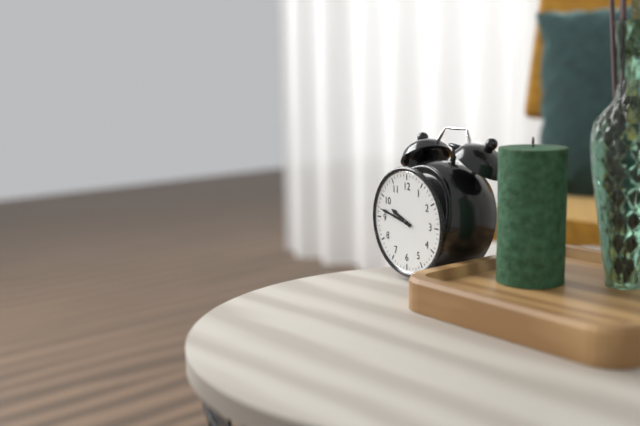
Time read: 9:47
